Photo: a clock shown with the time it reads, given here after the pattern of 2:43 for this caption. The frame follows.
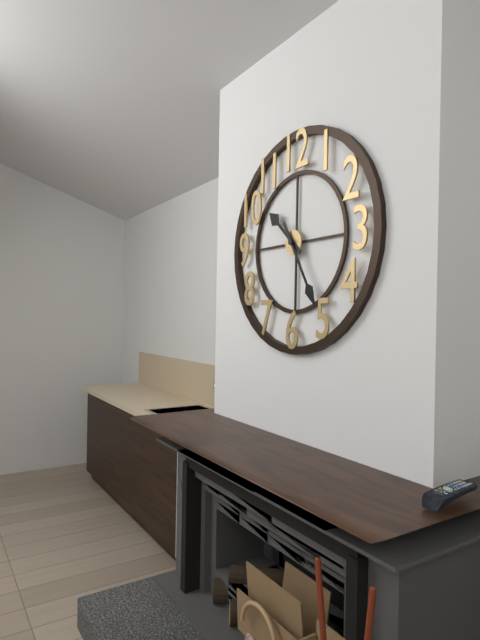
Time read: 10:25
